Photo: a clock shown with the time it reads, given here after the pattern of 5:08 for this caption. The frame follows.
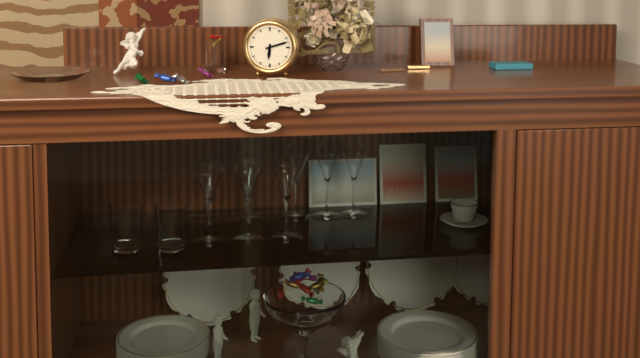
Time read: 6:12
